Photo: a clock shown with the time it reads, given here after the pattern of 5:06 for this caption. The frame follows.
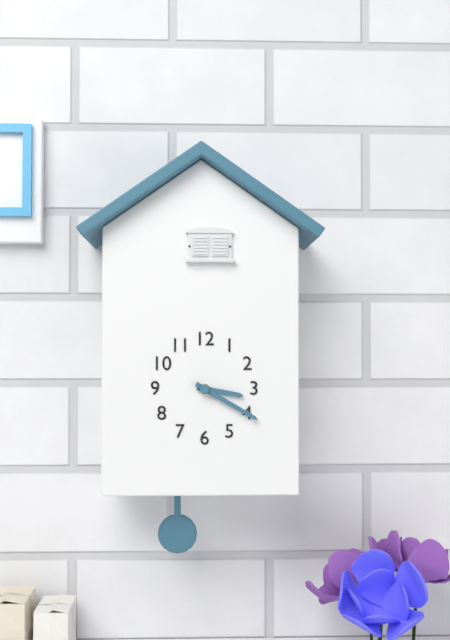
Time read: 3:20
